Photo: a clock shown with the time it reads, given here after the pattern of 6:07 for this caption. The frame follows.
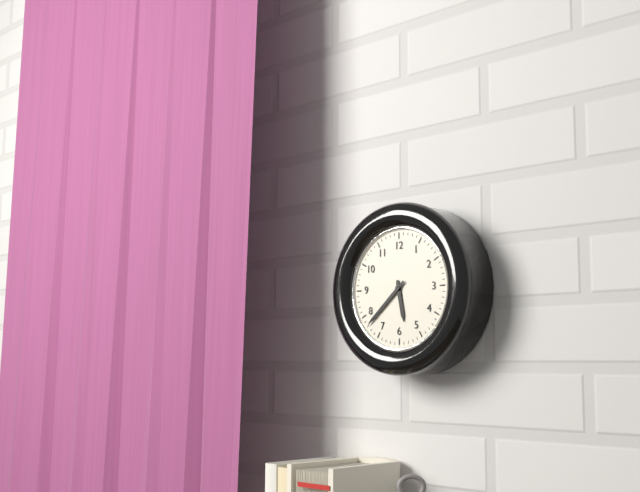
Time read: 5:38
